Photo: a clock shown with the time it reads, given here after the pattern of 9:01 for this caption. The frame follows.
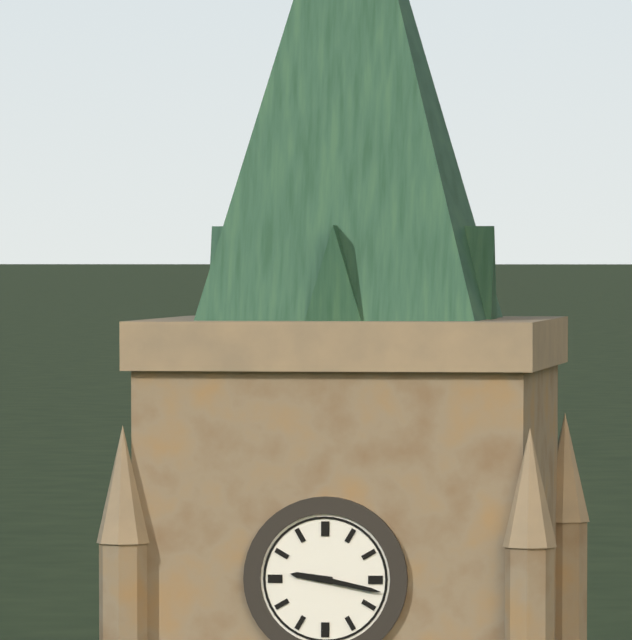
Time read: 9:17
